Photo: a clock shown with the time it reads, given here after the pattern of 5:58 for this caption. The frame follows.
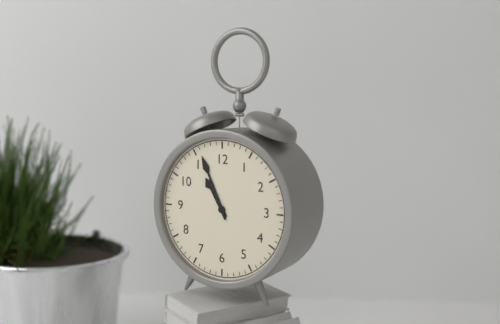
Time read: 10:56
